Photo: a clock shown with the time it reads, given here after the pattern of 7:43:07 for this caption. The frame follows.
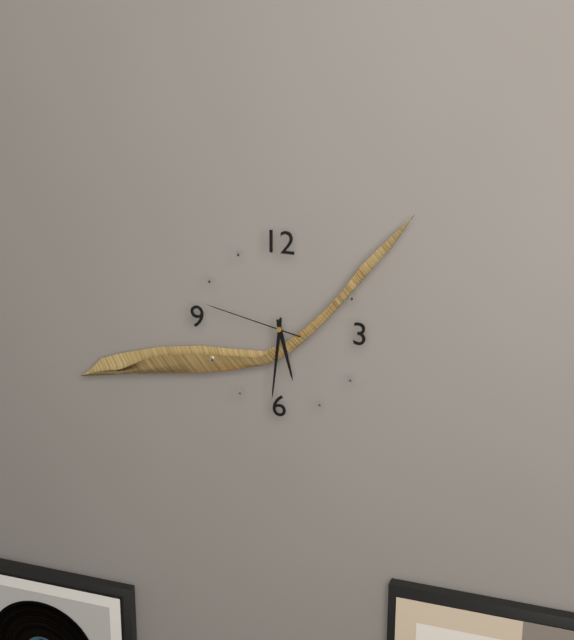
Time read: 5:31:47
